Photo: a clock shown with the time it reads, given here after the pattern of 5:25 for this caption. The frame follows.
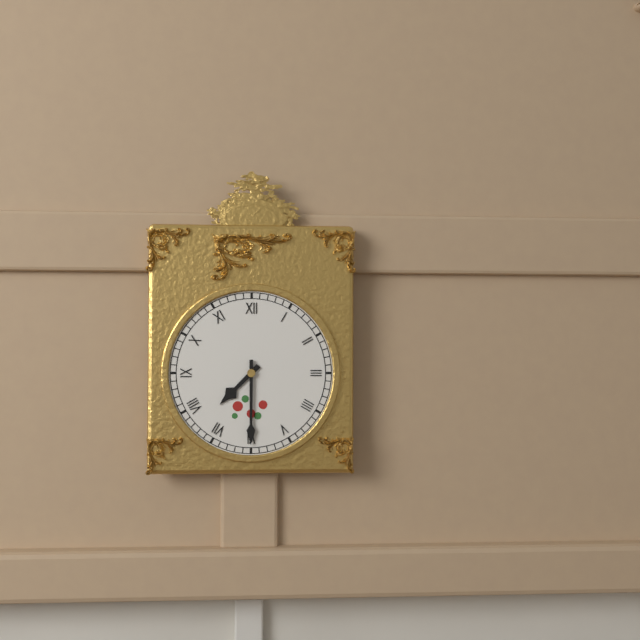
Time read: 7:30
